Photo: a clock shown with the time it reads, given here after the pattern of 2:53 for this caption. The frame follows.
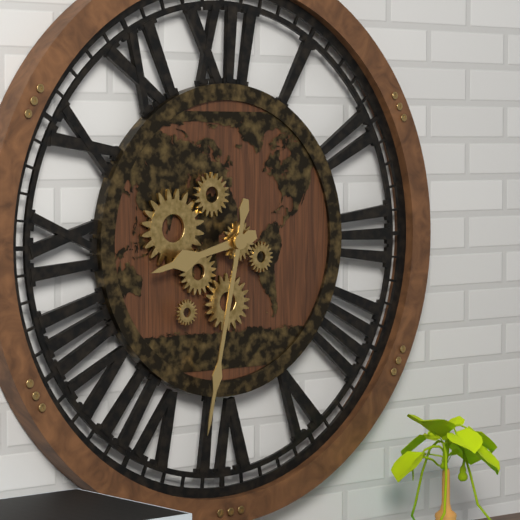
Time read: 8:32
